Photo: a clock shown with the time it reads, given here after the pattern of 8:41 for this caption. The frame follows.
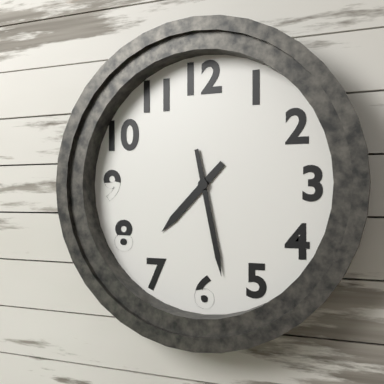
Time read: 7:28
